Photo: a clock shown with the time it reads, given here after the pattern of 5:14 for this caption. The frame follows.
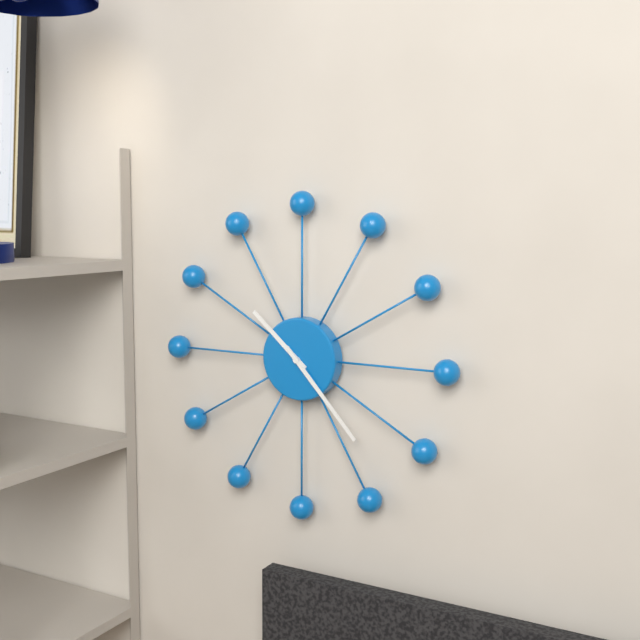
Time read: 10:23
